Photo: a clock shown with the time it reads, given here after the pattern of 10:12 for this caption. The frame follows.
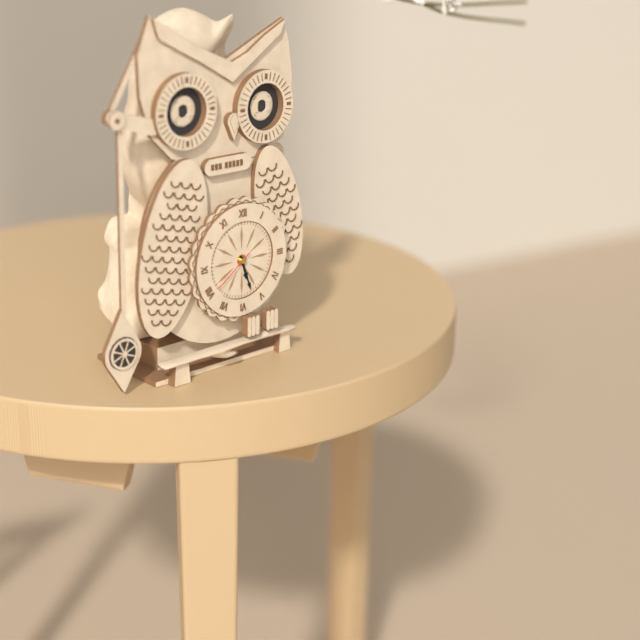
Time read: 5:27
